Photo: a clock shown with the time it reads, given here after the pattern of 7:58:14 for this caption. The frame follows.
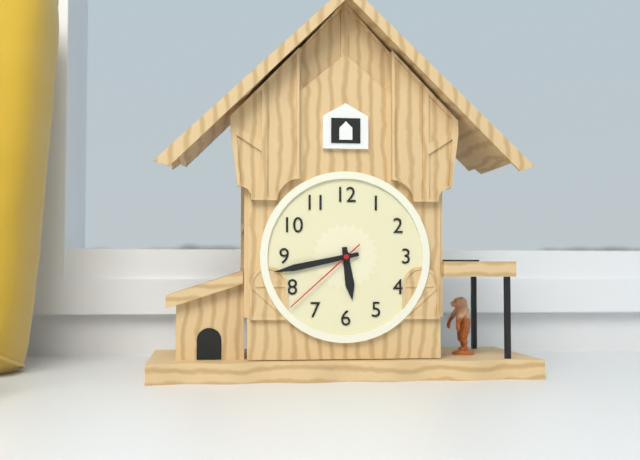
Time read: 5:43:38
